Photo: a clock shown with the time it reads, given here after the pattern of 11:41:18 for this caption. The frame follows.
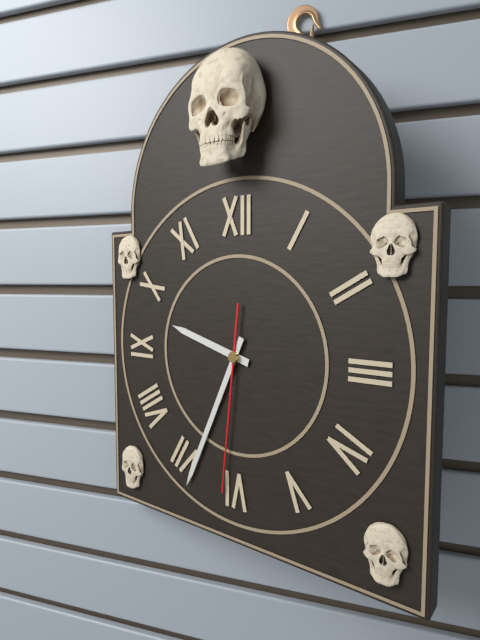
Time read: 9:34:31
